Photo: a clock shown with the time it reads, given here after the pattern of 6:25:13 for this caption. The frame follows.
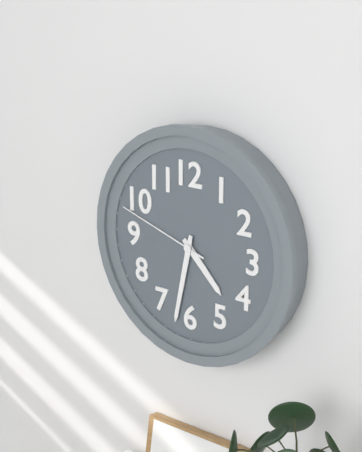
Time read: 4:32:48
